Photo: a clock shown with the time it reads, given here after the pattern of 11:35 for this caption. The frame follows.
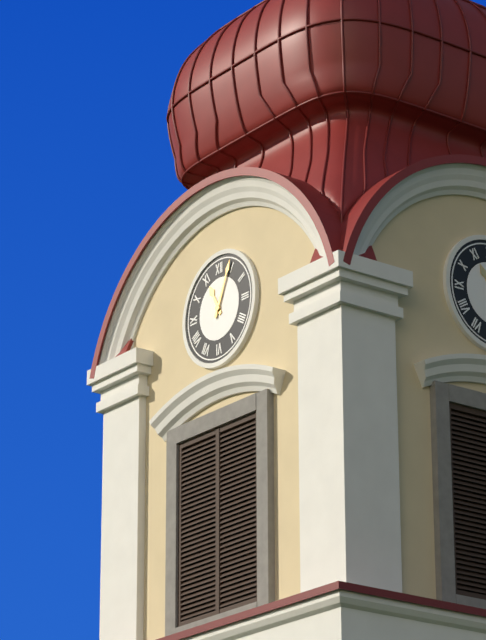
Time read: 11:04
